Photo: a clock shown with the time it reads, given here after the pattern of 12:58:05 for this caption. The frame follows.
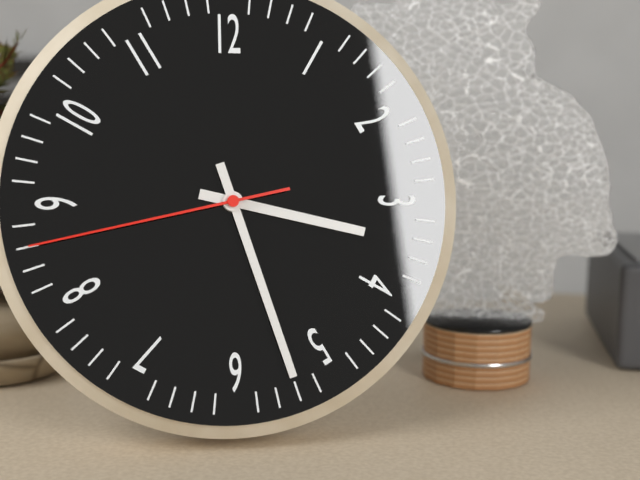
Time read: 3:27:43
